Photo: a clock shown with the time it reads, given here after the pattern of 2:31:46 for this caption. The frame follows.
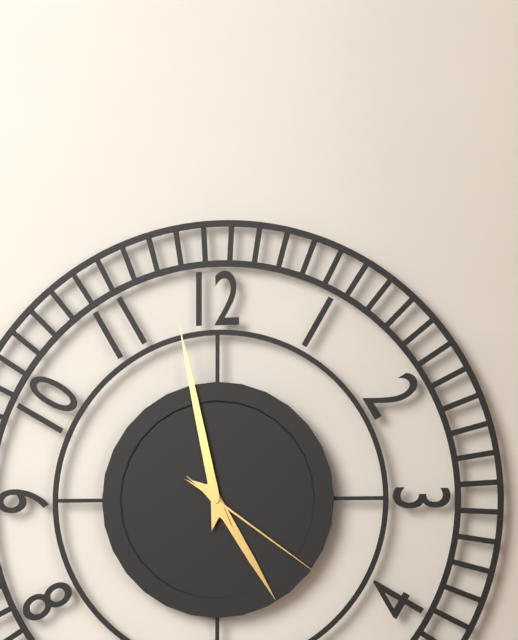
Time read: 4:58:21
